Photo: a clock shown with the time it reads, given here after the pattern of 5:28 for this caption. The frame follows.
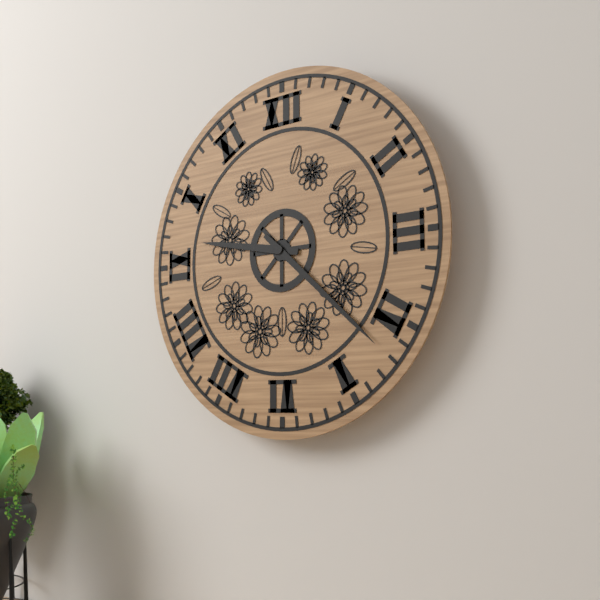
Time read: 9:22
